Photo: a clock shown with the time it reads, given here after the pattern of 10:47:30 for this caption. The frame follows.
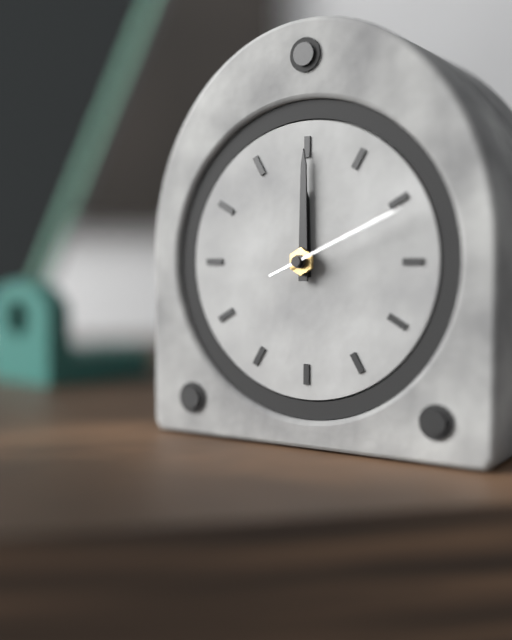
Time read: 12:00:11
